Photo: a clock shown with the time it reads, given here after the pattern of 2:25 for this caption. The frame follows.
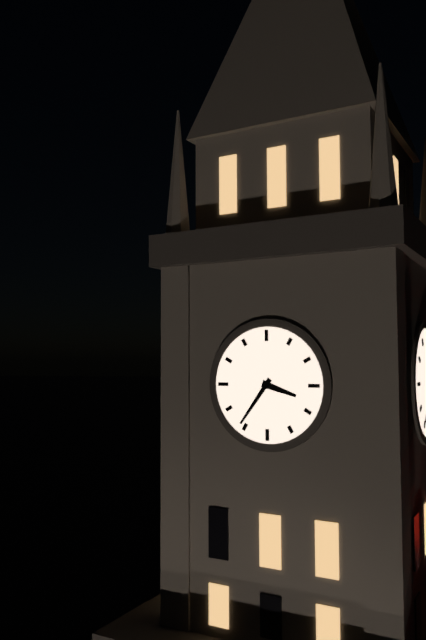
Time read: 3:36
